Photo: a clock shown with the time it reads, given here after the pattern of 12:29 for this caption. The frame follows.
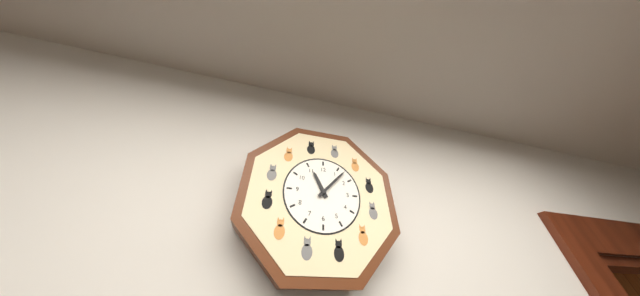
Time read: 11:07
